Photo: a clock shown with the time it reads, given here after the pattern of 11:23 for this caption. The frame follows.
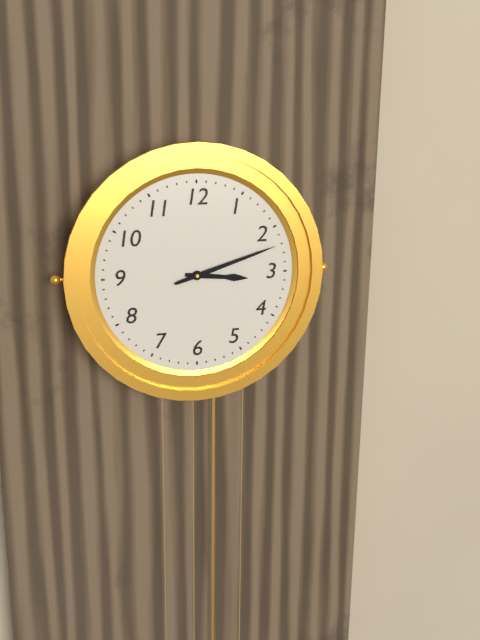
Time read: 3:12
